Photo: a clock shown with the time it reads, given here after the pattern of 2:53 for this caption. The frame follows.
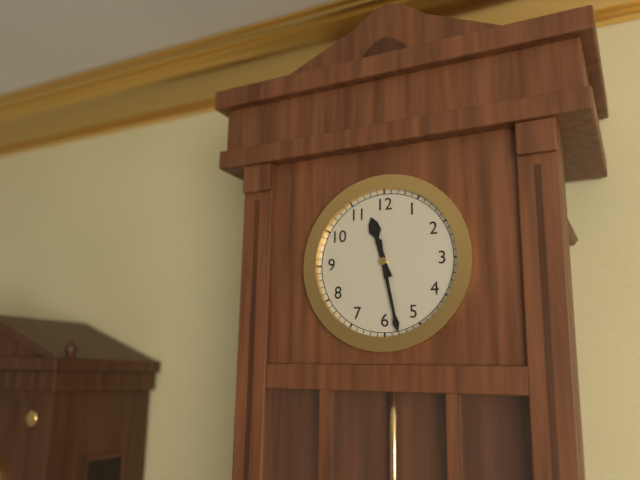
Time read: 11:28
